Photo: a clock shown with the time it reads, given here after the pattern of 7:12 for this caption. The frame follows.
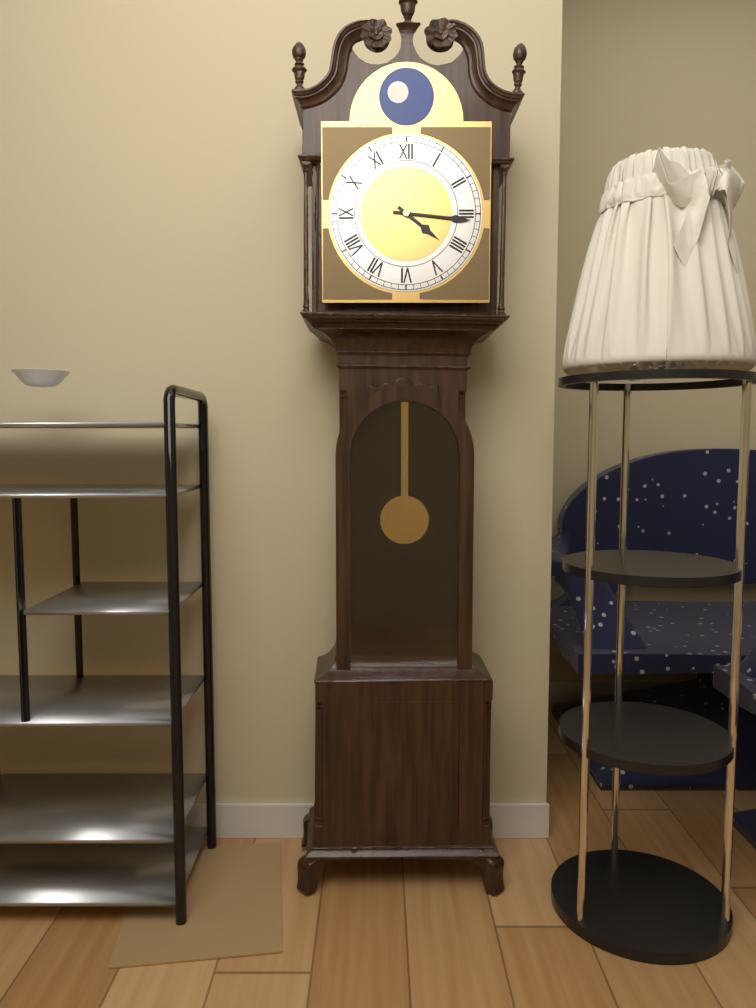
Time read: 4:16
